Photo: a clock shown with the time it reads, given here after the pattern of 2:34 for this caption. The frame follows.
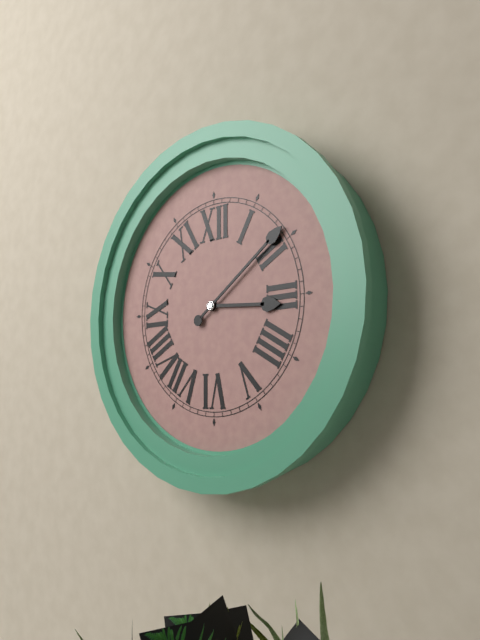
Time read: 3:09
